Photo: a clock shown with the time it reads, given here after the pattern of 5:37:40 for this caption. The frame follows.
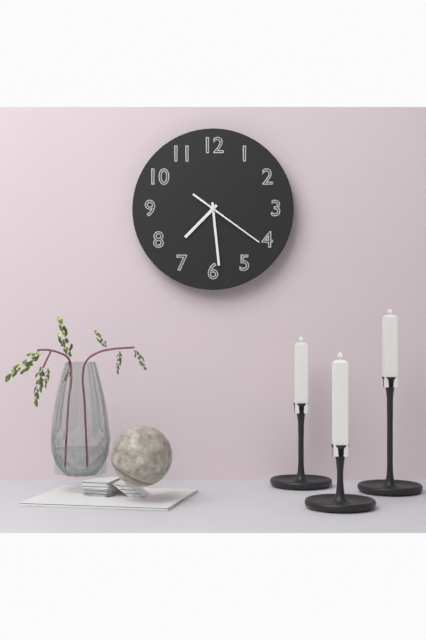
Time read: 7:29:21
